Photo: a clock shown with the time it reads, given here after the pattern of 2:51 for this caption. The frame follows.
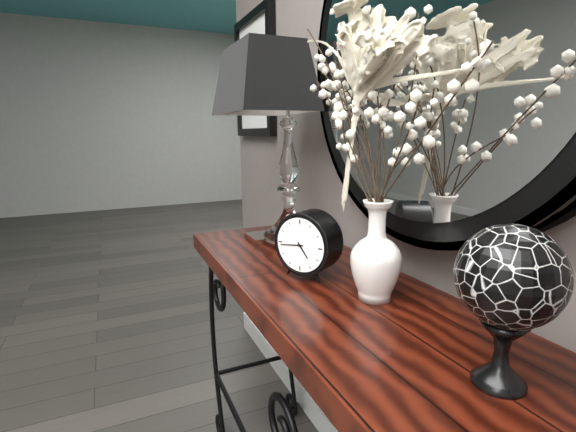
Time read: 4:44
